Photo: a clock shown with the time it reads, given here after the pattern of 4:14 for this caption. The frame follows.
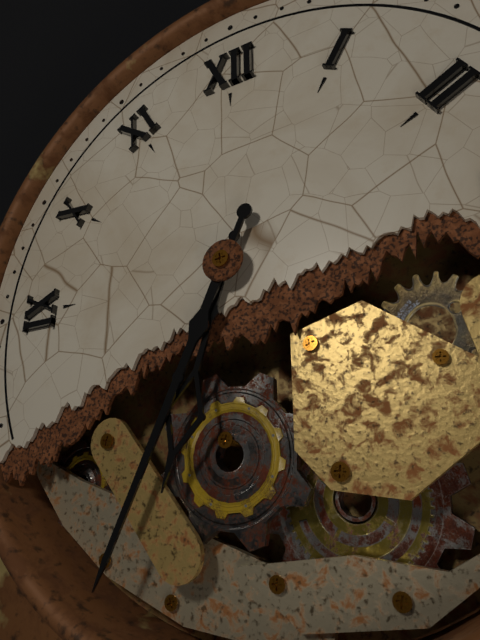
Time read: 6:34
